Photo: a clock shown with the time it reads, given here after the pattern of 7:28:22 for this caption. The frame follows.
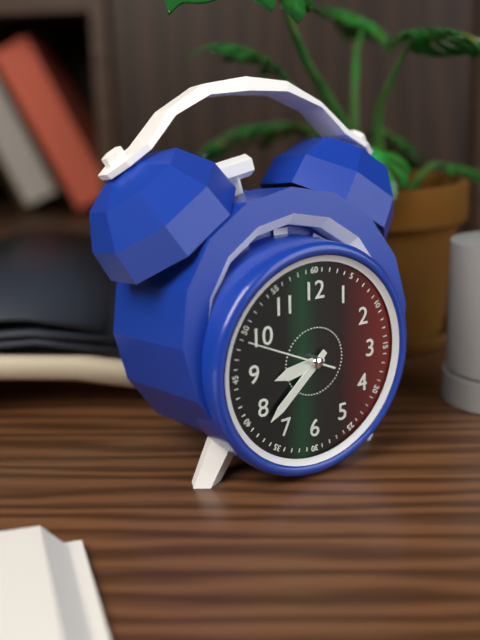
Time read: 8:38:49
